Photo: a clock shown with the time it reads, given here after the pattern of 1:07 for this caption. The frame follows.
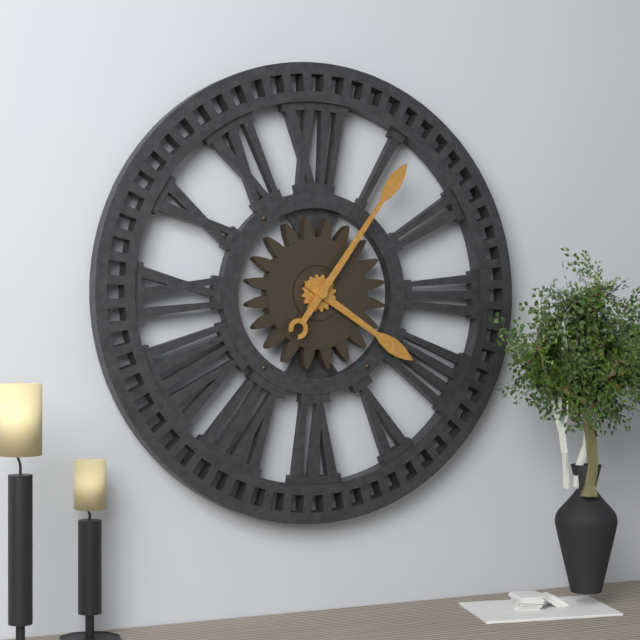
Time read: 4:06
